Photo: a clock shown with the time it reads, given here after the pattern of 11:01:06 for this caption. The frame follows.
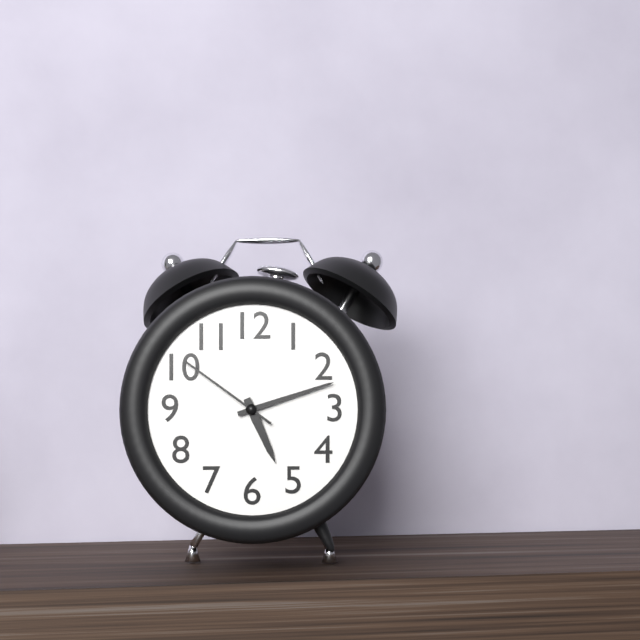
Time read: 5:12:51
